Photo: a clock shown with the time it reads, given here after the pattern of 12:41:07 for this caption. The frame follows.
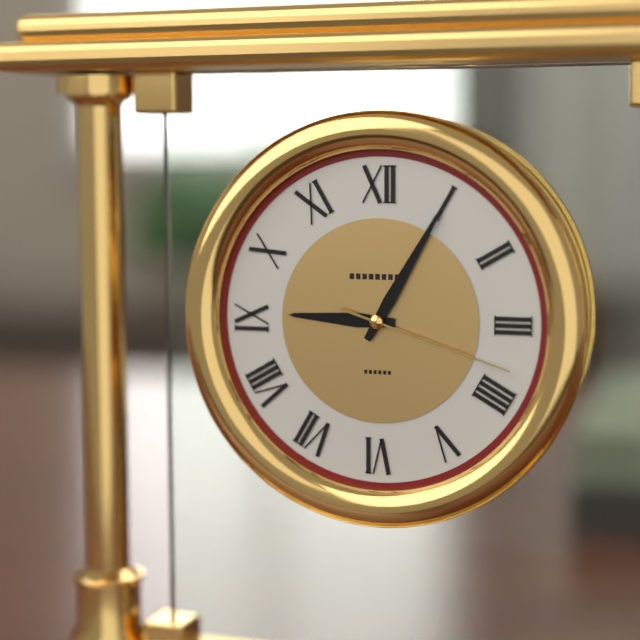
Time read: 9:05:18
